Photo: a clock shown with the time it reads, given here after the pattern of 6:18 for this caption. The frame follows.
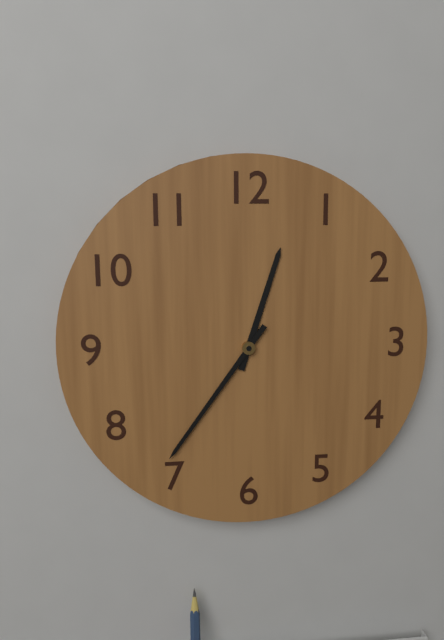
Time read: 12:36
